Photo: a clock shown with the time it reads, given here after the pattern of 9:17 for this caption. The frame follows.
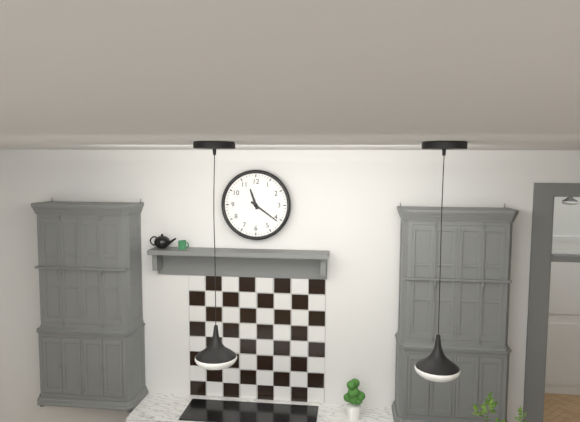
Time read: 11:21
